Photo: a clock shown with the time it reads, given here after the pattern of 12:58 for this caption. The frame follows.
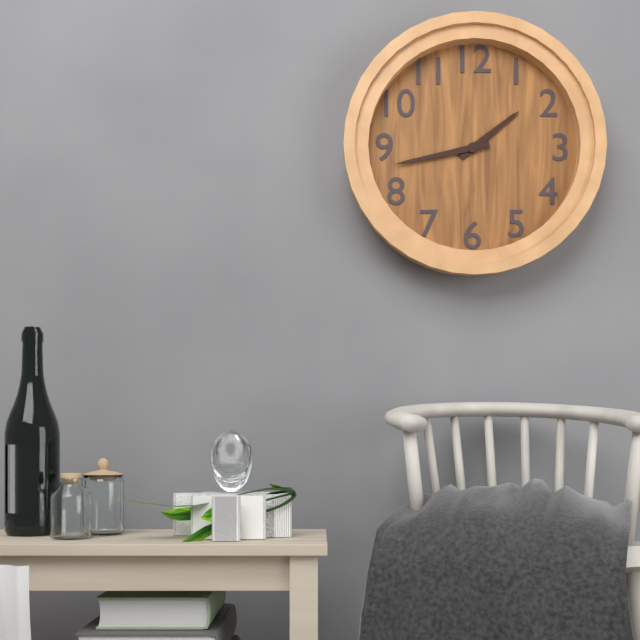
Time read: 1:43
